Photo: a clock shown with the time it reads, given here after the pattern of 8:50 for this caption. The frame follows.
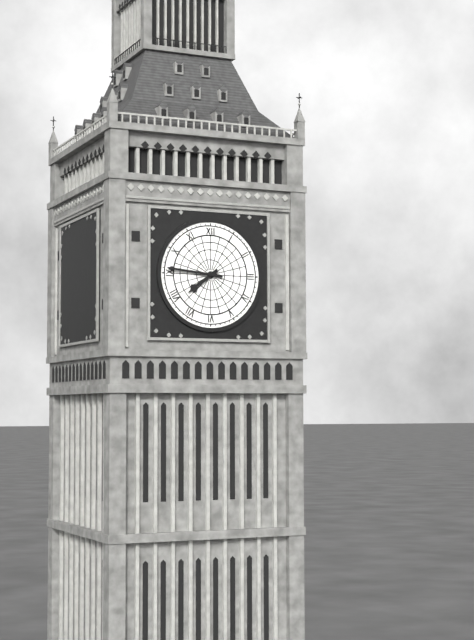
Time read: 7:46
